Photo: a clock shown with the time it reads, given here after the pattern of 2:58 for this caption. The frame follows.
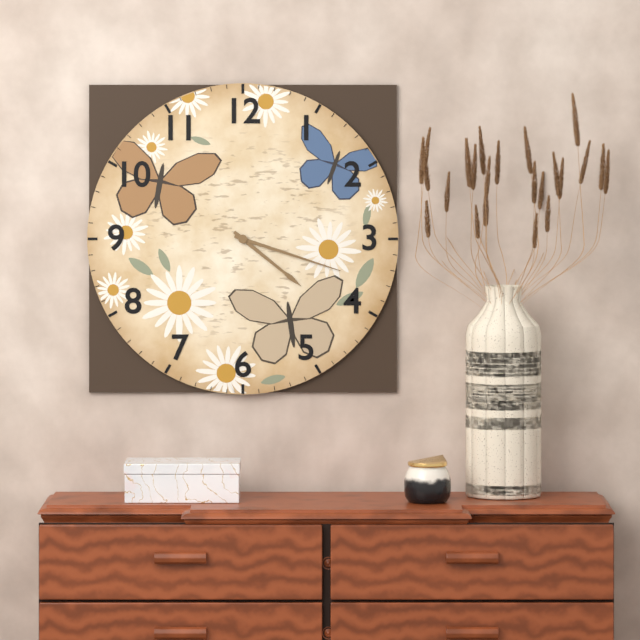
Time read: 4:18
